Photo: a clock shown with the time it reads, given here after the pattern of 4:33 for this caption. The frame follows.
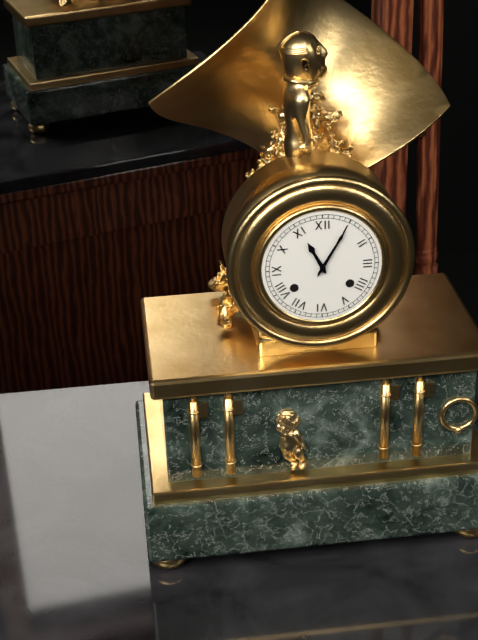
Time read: 11:05
